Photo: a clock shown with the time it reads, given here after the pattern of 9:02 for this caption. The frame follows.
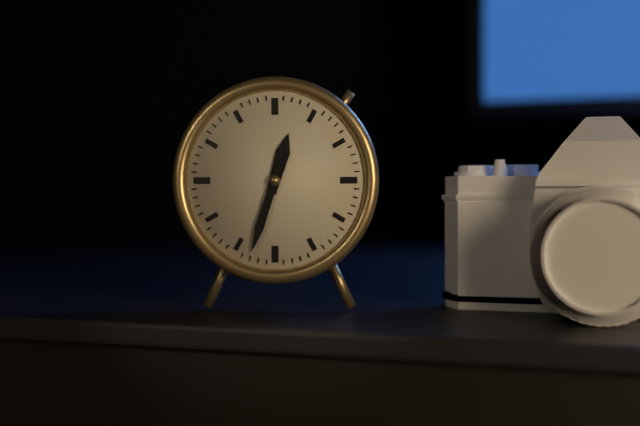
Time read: 12:33
